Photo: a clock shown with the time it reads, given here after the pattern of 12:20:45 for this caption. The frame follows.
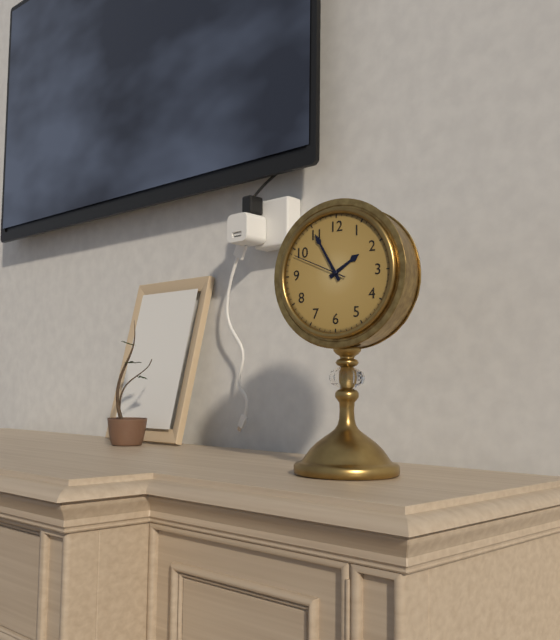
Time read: 1:55:49
